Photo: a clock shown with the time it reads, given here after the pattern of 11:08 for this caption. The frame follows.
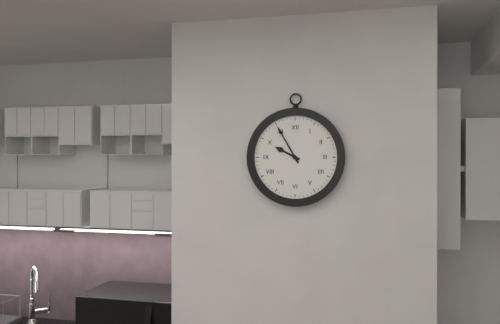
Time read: 9:55
